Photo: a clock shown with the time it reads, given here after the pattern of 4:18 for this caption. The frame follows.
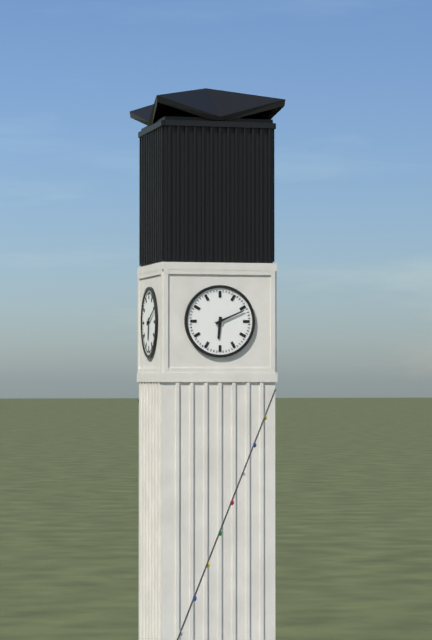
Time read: 6:11
